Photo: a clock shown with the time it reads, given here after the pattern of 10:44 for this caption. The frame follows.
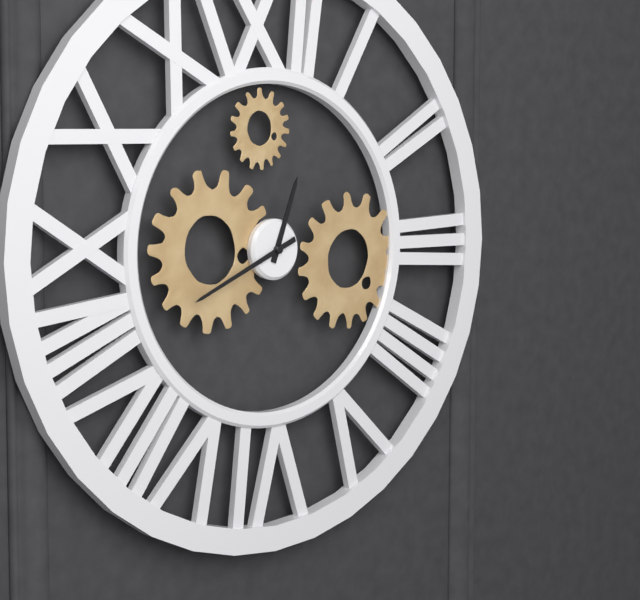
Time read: 12:41
